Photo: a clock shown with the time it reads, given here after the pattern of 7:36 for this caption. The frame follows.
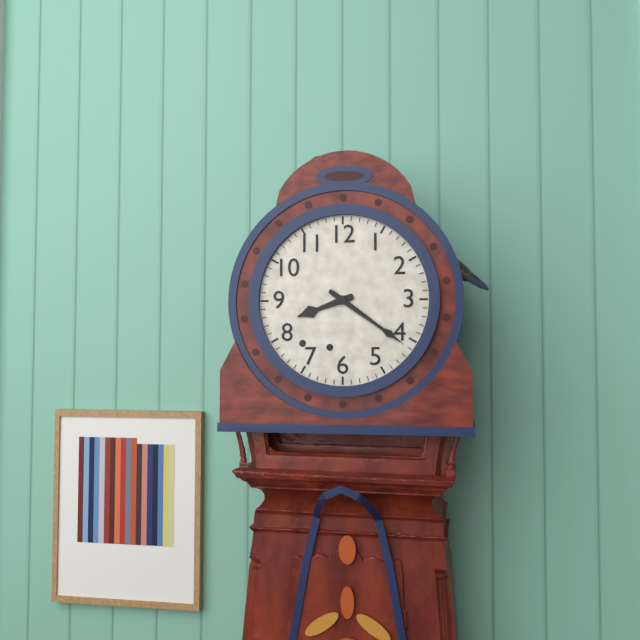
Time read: 8:21
